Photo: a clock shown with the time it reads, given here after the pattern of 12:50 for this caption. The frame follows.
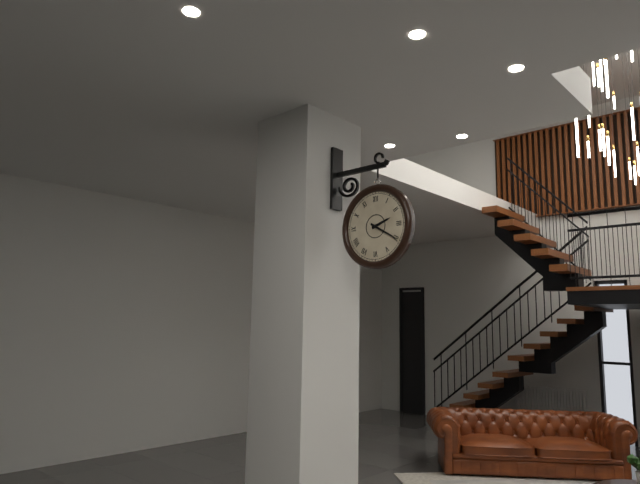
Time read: 2:20
